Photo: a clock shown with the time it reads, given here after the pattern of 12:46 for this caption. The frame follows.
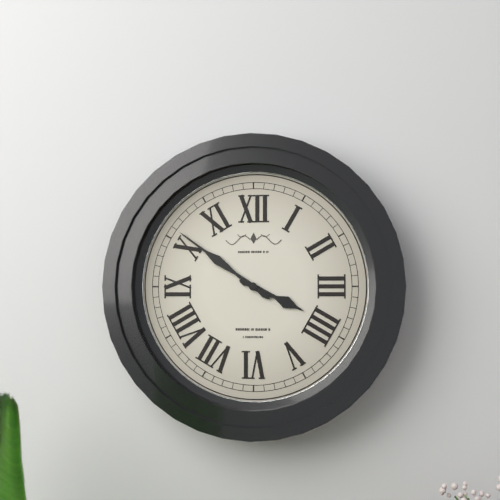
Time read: 3:51
